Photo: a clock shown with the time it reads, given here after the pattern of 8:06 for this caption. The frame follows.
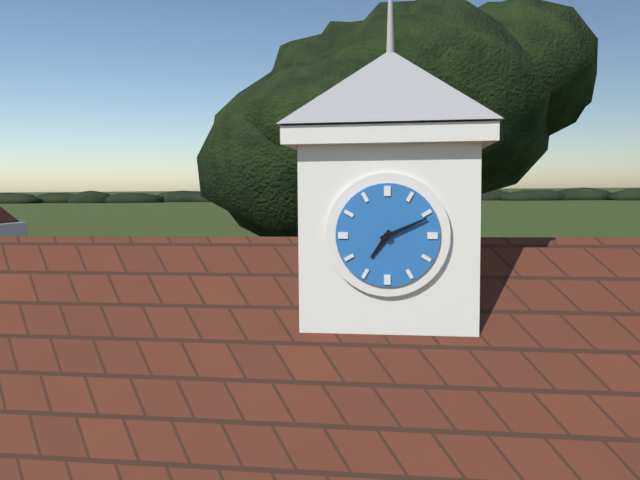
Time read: 7:11
